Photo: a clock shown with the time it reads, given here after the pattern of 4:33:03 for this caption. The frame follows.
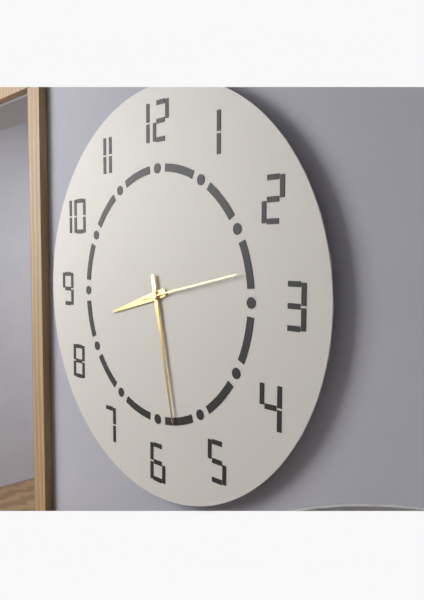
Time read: 8:28:13
